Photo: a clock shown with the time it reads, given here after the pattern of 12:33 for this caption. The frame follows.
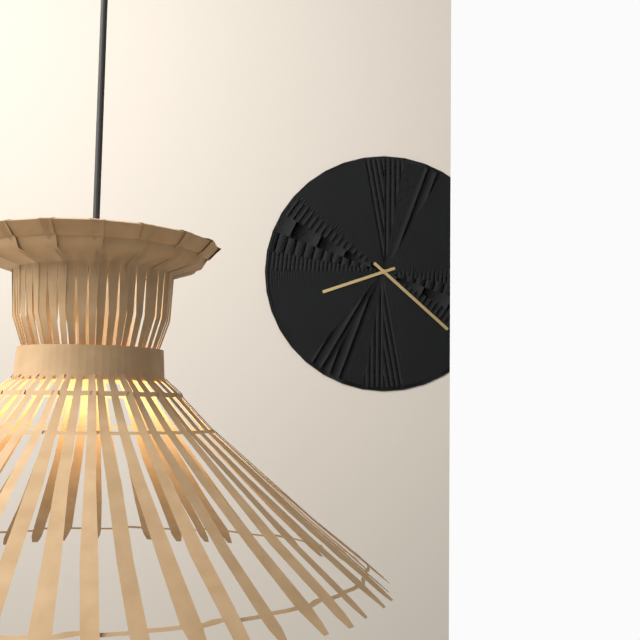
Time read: 8:22
